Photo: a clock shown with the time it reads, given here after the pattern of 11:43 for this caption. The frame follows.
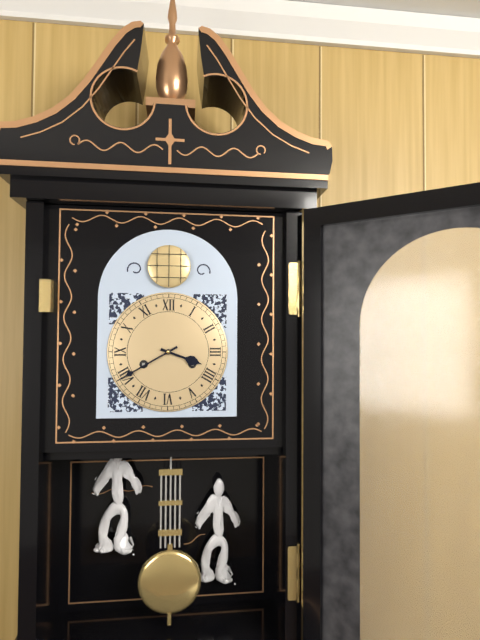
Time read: 3:40
